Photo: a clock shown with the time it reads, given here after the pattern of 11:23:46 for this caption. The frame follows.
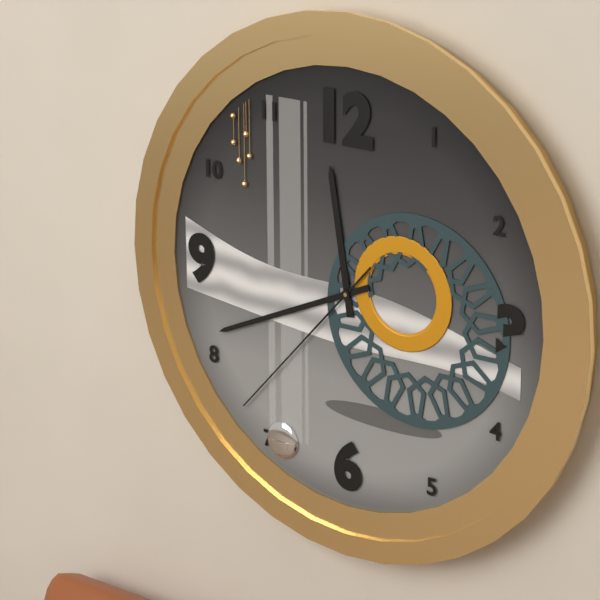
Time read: 11:41:37
